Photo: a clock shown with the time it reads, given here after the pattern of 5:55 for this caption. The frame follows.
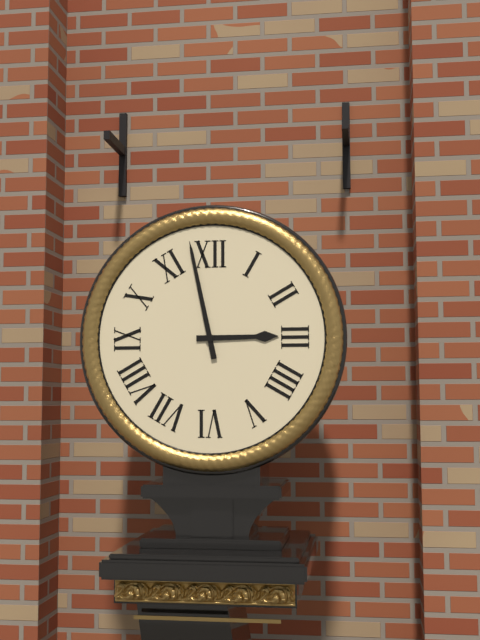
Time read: 2:58
